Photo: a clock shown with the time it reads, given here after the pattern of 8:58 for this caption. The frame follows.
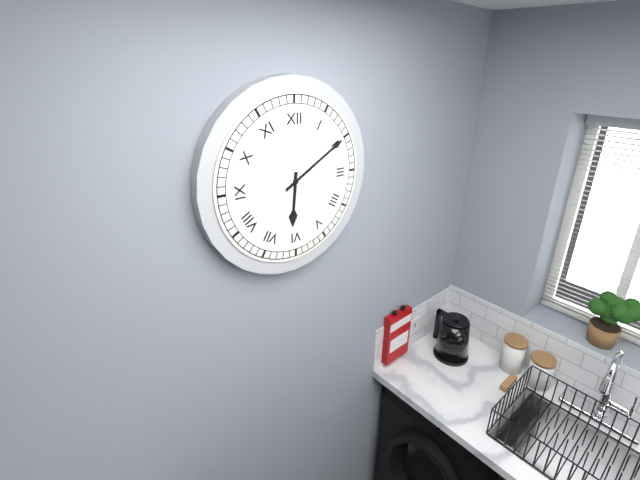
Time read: 6:10
